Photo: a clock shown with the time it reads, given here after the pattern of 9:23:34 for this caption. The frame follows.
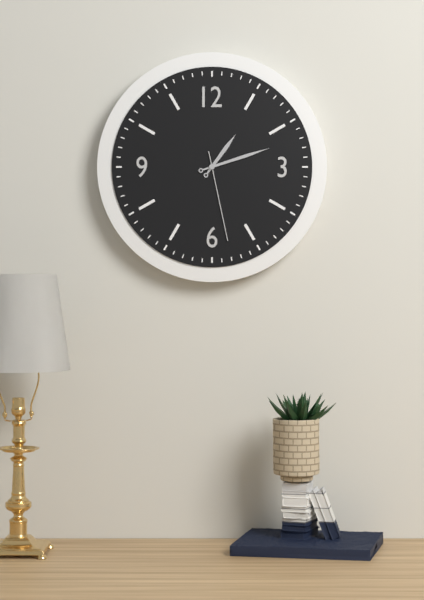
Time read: 1:12:28
